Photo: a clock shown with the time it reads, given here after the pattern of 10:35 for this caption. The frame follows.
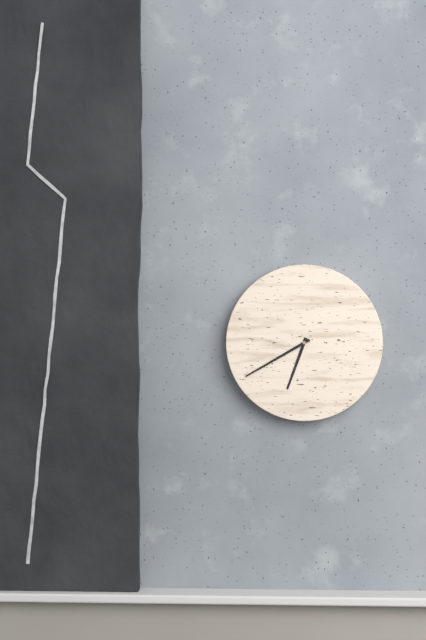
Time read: 6:40
